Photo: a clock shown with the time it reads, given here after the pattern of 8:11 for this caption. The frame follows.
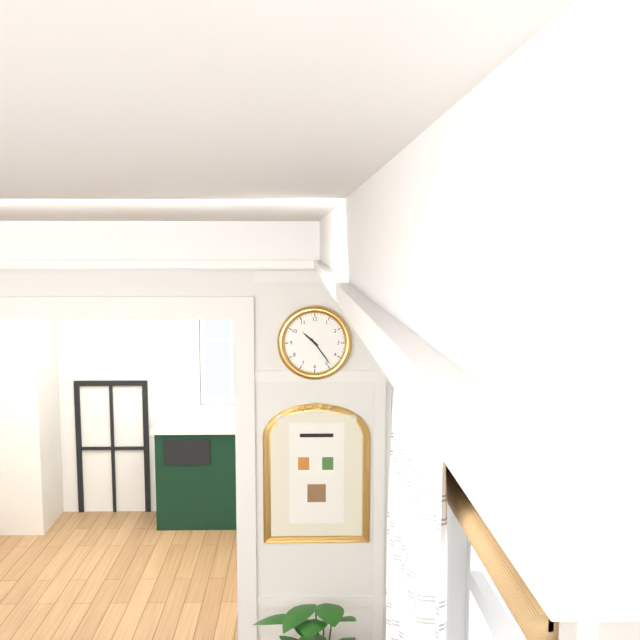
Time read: 10:24
